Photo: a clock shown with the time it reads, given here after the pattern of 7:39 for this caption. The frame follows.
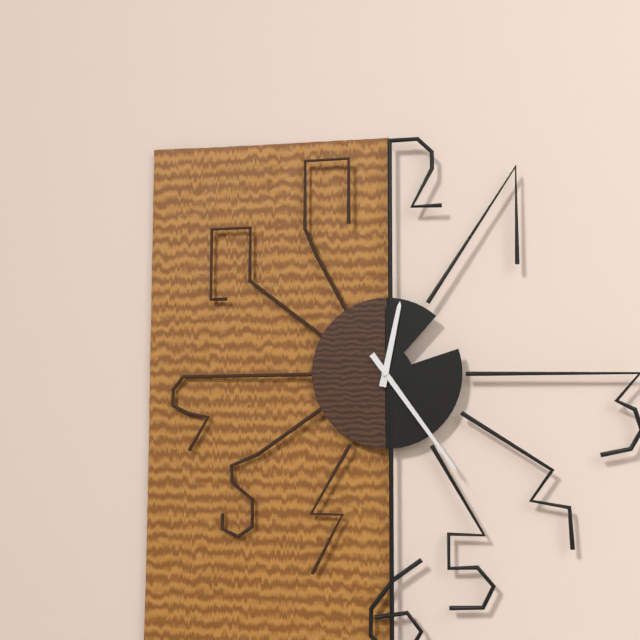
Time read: 12:24
